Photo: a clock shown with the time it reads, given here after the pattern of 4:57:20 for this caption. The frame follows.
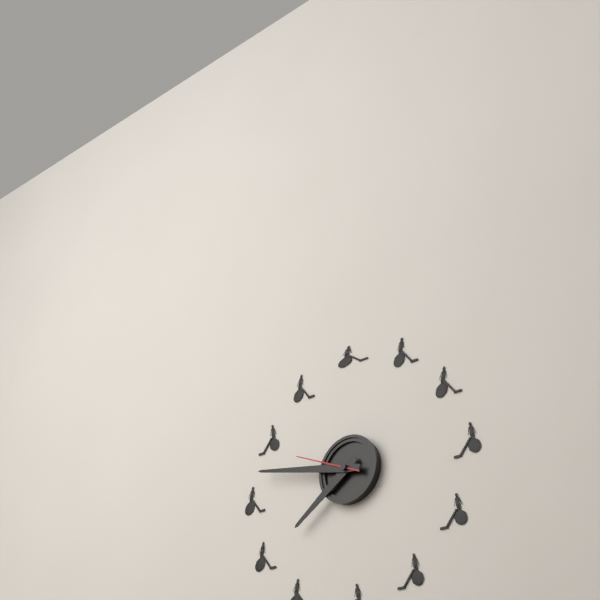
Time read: 7:47:49
